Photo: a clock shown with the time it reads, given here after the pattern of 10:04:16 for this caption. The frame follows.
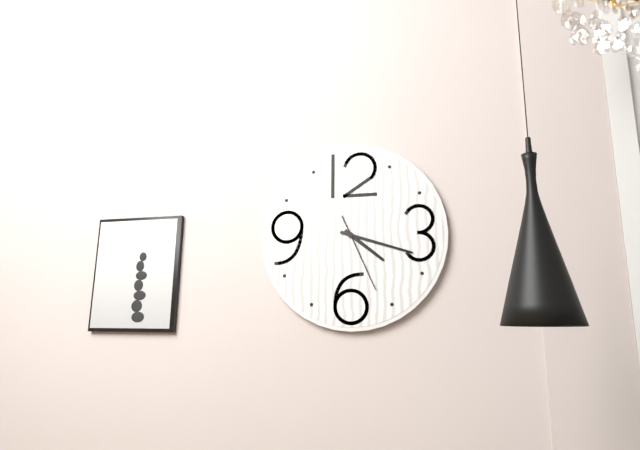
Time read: 4:18:26
